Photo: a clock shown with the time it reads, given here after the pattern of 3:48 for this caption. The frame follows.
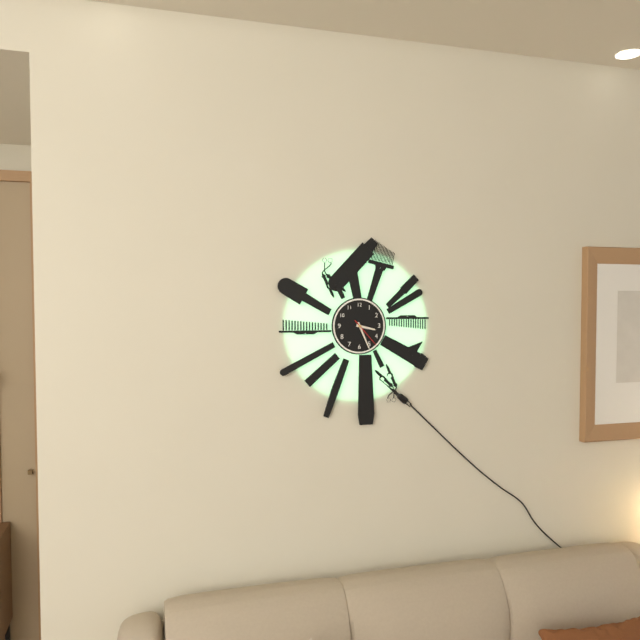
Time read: 3:26
